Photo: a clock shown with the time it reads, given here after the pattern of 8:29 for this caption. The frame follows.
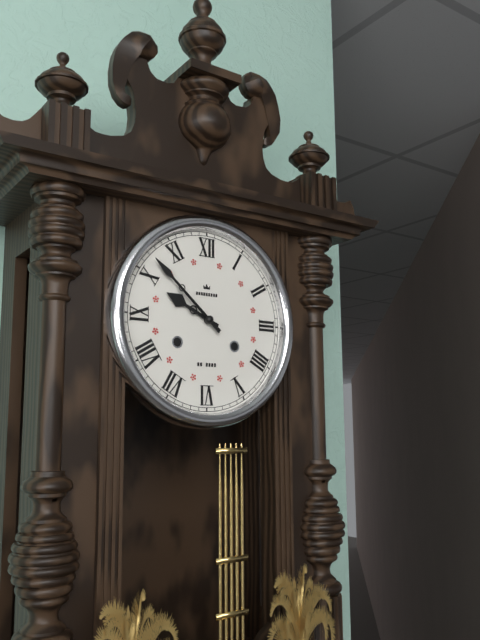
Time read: 9:52
